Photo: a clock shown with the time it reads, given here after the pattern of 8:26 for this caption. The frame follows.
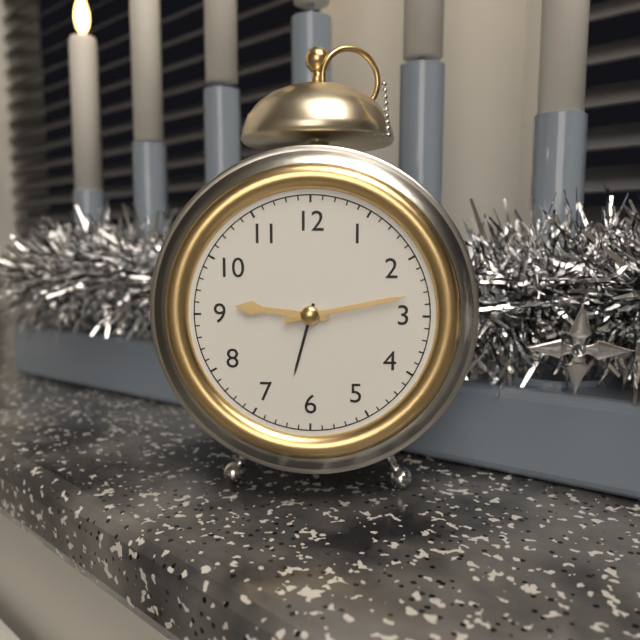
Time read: 9:13
